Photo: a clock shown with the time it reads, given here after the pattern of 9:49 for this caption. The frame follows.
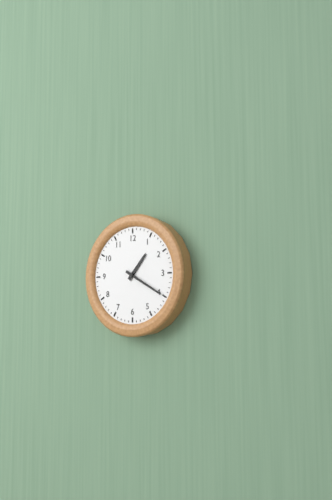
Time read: 1:20
